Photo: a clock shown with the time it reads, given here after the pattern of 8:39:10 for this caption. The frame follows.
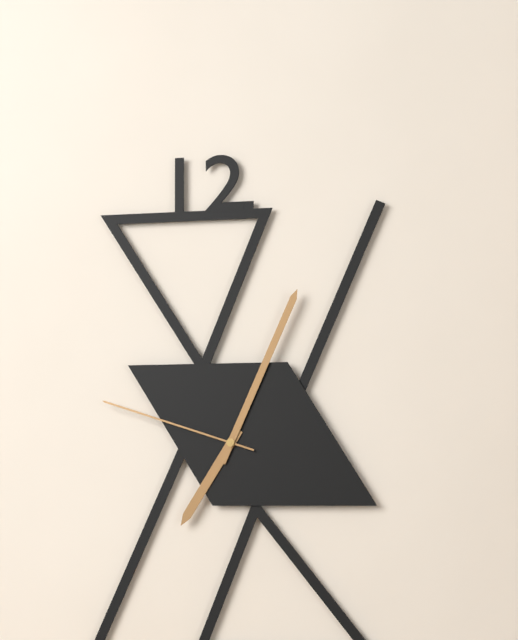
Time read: 7:04:48
